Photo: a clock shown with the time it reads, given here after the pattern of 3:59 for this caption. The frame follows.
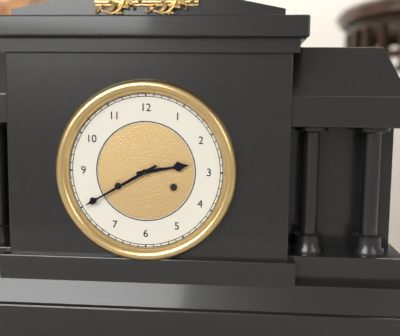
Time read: 2:40
